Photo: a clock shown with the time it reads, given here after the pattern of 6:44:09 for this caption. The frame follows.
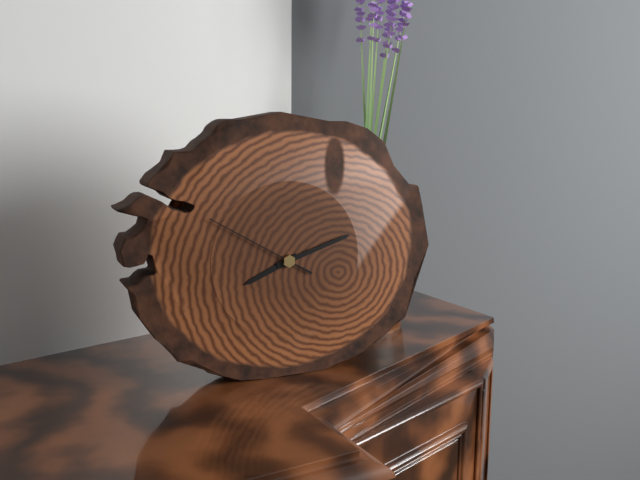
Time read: 8:12:50
